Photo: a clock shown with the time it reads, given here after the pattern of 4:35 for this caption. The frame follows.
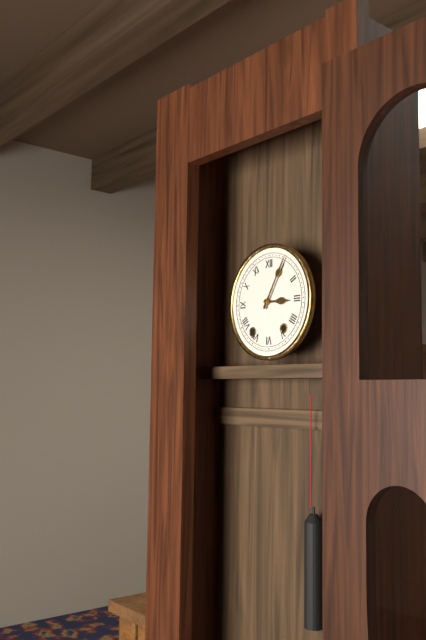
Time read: 3:05
